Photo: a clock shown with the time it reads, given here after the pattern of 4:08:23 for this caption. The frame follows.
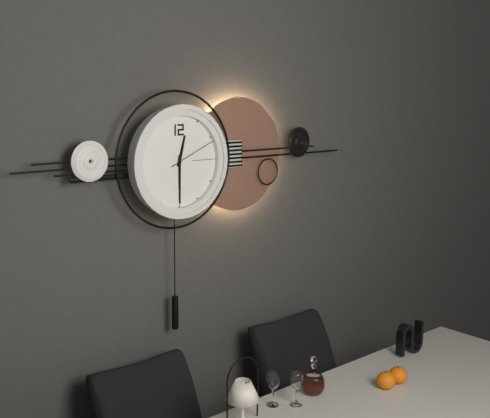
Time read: 12:30:11
